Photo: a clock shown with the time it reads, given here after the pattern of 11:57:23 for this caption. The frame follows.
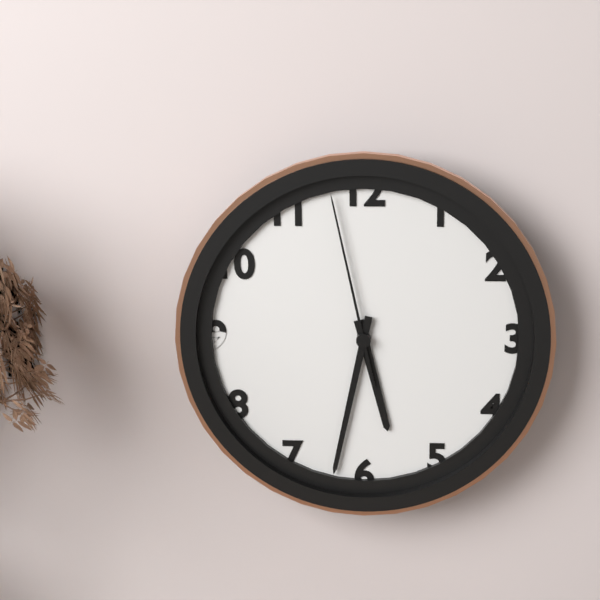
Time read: 5:32:58
